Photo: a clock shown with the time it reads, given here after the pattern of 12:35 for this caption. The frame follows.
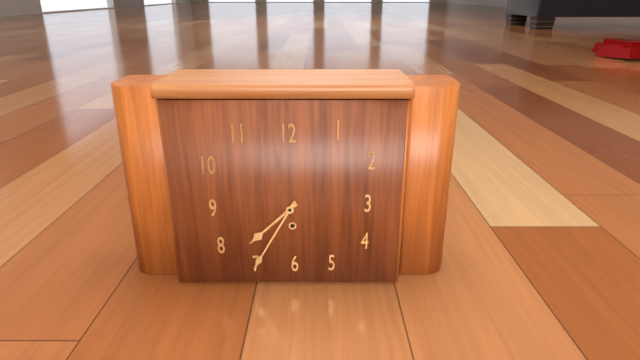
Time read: 7:35
